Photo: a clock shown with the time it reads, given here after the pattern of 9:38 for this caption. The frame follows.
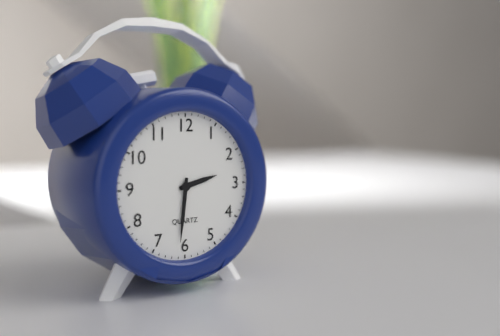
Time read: 2:31
